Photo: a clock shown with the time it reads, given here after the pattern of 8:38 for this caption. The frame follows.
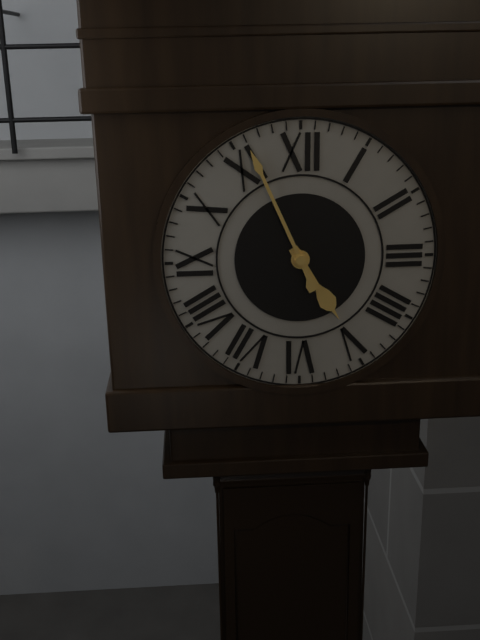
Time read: 4:56
